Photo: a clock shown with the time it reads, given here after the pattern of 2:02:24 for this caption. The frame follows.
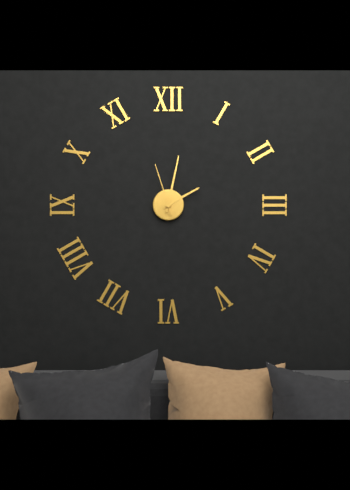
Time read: 2:02:57
